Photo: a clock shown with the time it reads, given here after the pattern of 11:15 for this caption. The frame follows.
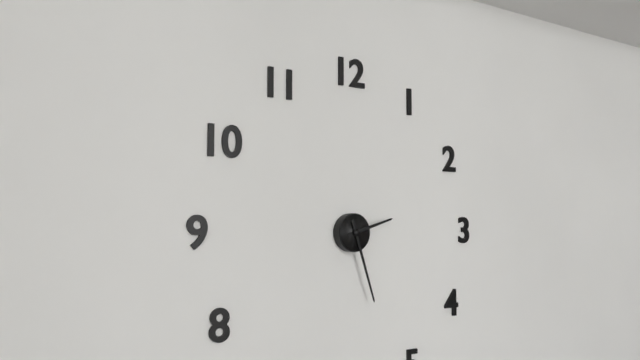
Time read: 2:27
